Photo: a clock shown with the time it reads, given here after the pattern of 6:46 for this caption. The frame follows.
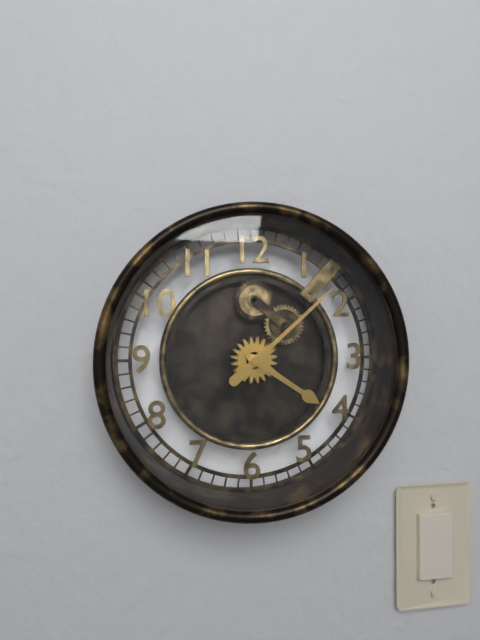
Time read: 4:08
